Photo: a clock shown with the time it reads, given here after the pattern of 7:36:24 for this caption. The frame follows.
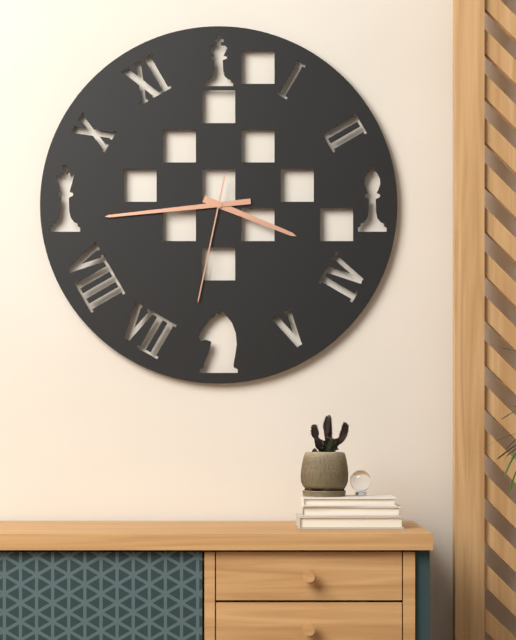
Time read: 3:44:32
